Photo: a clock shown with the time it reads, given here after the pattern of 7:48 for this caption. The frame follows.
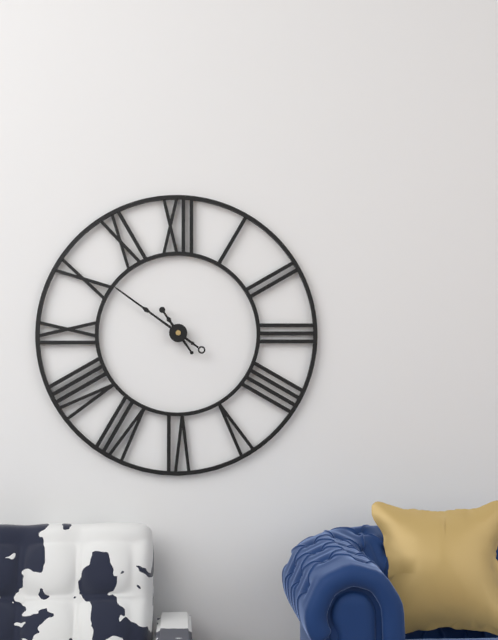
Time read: 10:51
